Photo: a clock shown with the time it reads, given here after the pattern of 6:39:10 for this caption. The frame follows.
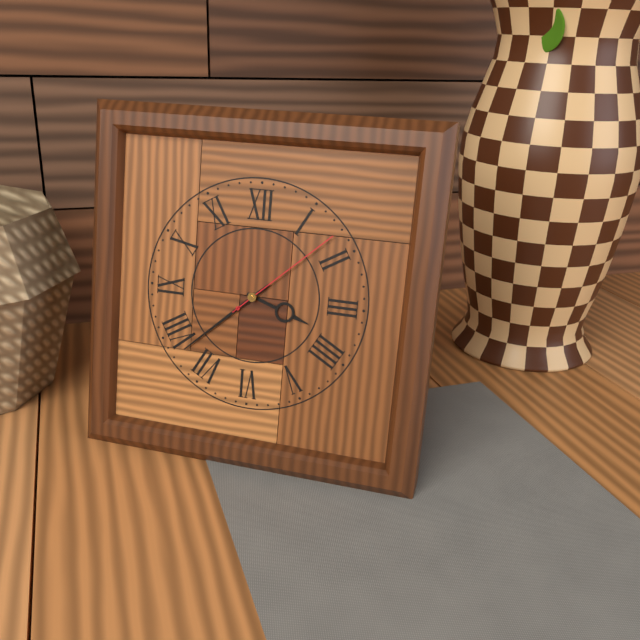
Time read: 3:38:08
